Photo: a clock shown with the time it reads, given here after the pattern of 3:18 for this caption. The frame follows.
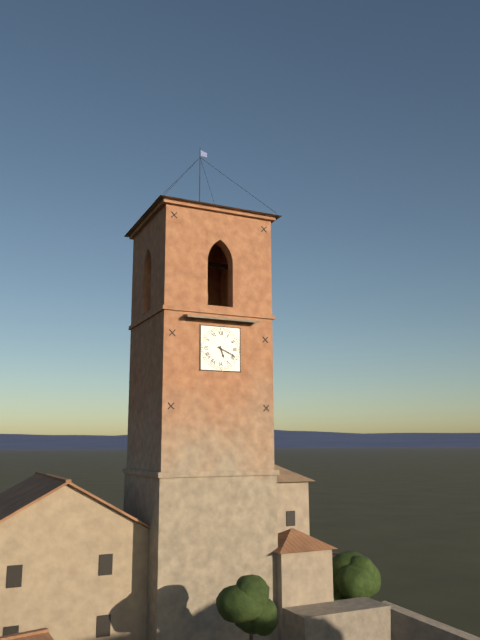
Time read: 5:19
